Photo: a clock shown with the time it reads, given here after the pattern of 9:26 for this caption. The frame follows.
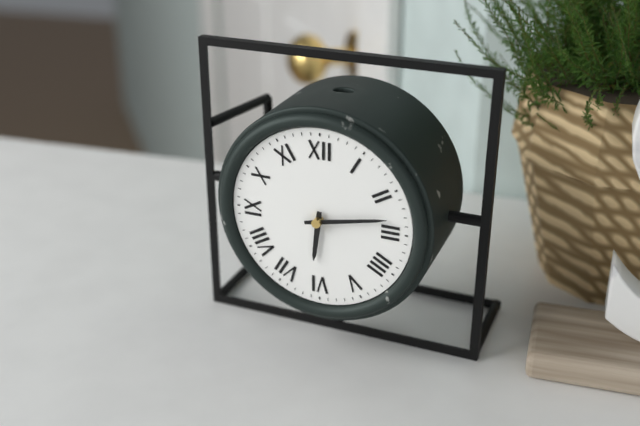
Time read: 6:13
